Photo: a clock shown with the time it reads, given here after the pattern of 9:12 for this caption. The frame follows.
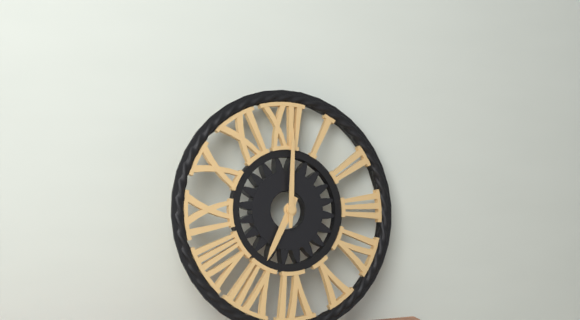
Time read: 7:01
